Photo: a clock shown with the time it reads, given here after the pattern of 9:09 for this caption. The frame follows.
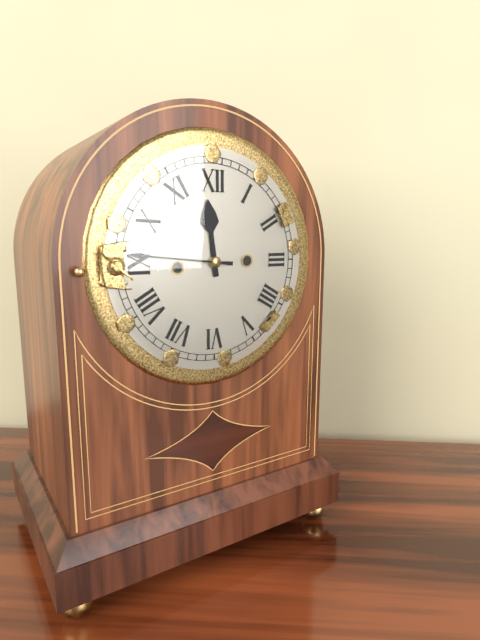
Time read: 11:46
